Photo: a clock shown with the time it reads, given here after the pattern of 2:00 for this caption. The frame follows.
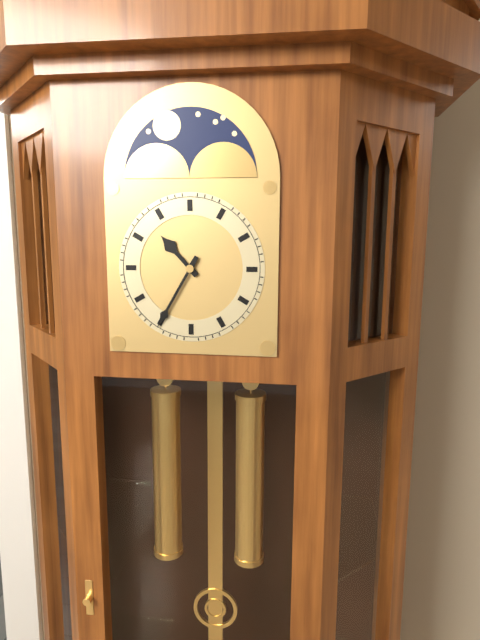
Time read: 10:35
